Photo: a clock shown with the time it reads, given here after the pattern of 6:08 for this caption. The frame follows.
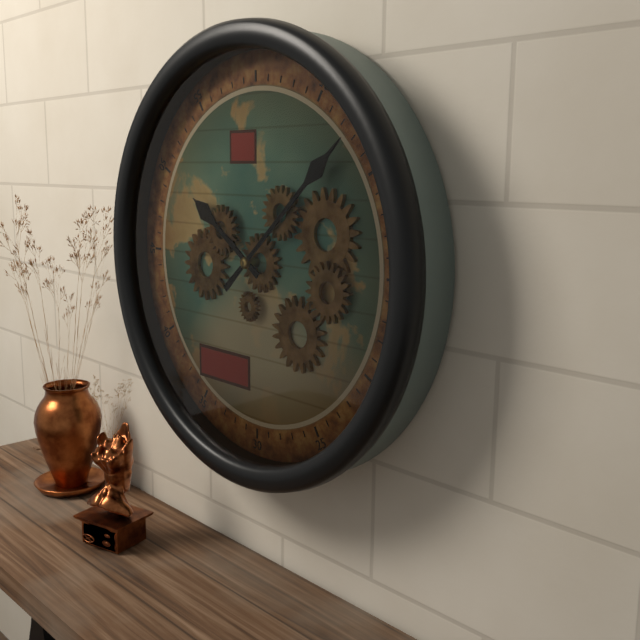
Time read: 10:08
